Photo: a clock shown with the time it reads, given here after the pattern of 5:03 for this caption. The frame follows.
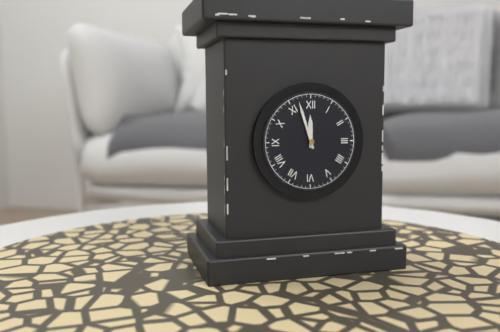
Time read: 11:57
